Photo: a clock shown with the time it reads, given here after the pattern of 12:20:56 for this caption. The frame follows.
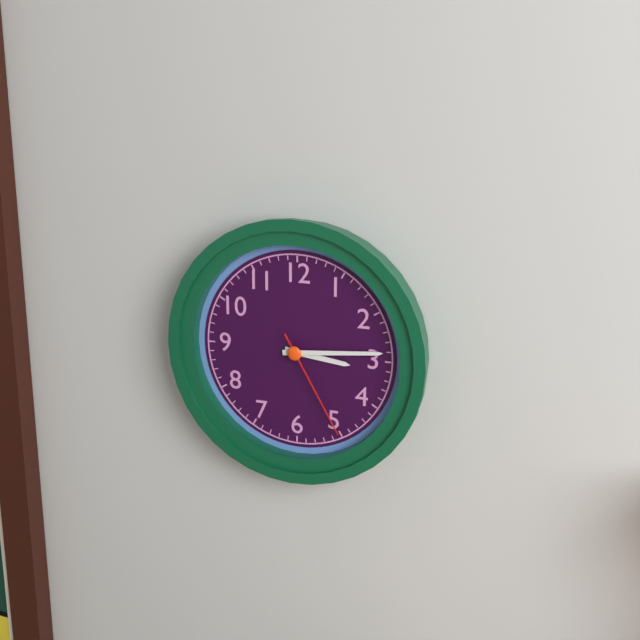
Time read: 3:14:25
